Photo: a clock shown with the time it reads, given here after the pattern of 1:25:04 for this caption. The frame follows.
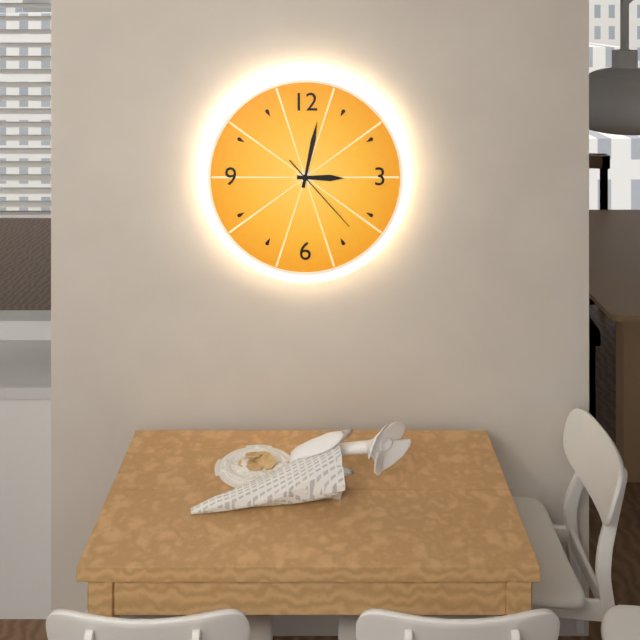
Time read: 3:02:23
